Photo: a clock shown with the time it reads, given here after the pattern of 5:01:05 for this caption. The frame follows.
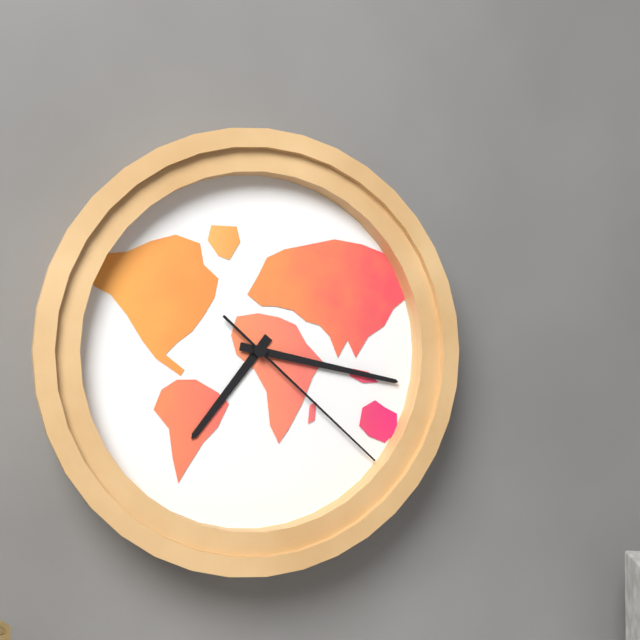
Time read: 7:17:22
